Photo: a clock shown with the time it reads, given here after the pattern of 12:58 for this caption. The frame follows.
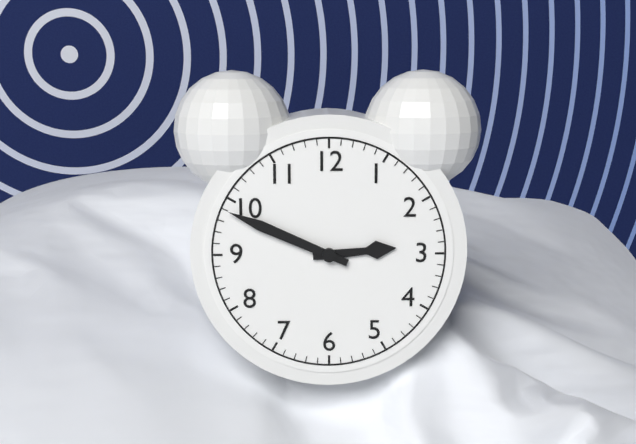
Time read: 2:49
